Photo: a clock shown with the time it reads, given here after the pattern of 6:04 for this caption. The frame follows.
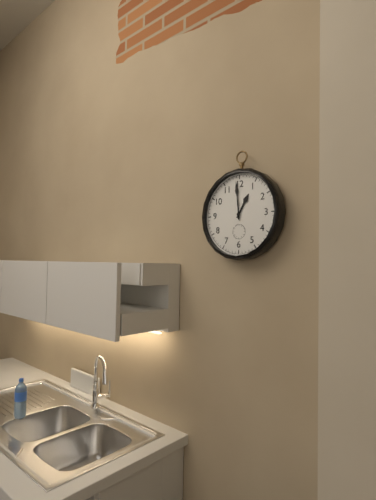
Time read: 12:59
